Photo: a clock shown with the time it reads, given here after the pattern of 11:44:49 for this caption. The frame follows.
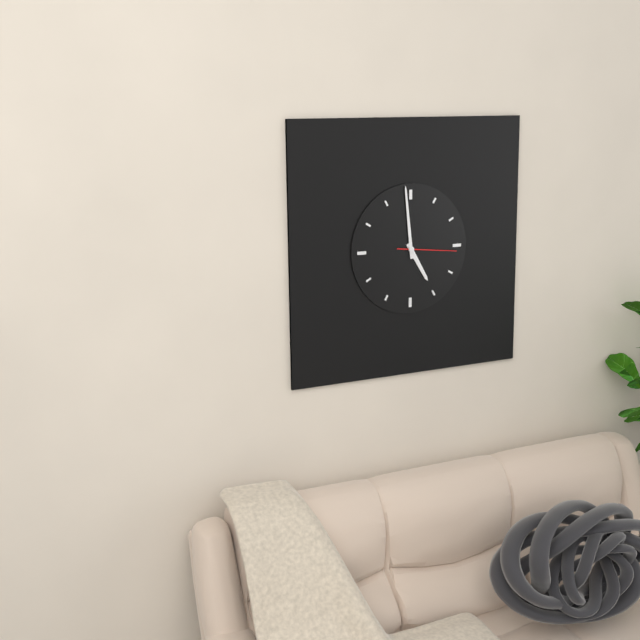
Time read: 4:59:16
